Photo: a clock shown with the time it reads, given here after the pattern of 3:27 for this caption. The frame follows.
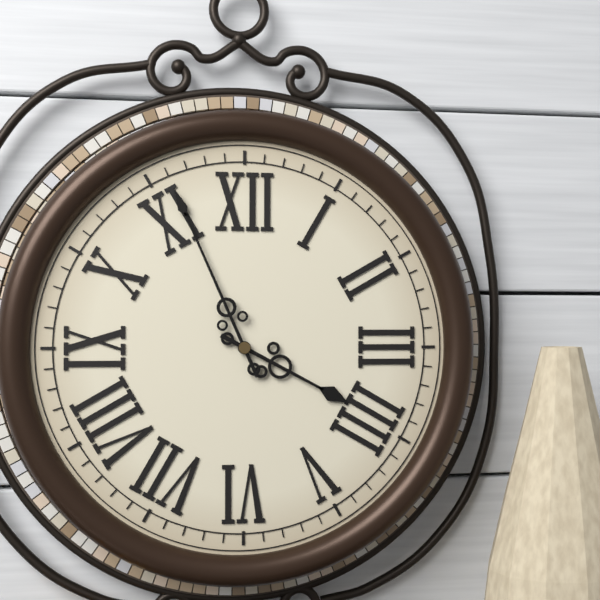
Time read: 3:56
